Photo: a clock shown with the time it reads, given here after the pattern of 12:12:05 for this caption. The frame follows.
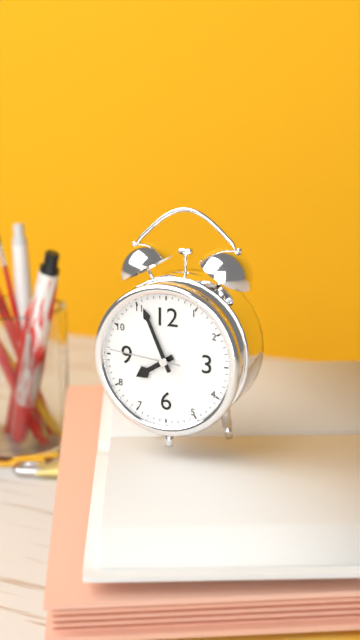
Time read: 7:56:46
